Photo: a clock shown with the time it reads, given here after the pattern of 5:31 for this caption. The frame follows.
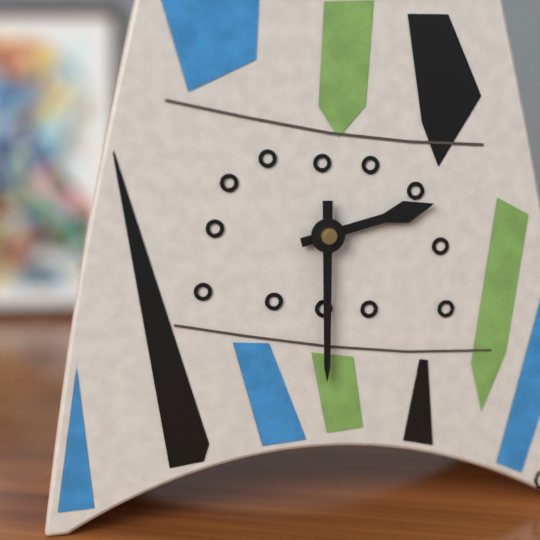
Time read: 2:30
